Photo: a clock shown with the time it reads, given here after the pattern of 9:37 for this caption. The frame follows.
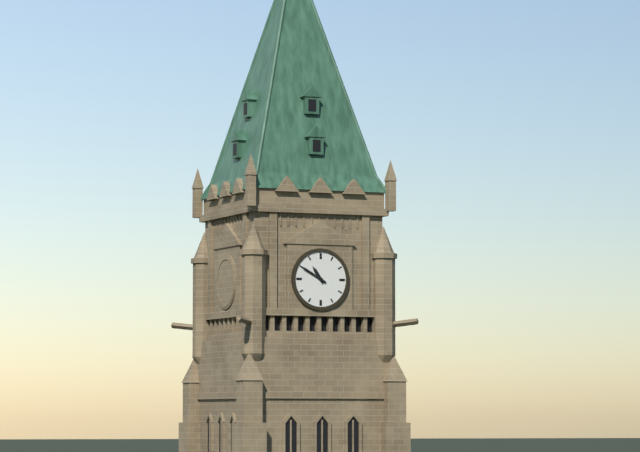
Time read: 10:50
